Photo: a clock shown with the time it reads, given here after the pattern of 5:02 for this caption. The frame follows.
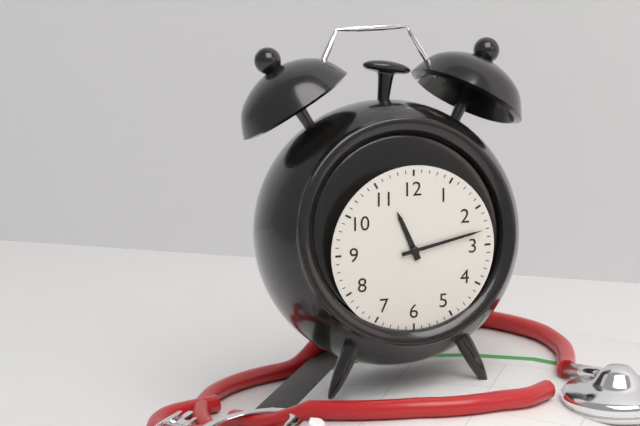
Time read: 11:13
